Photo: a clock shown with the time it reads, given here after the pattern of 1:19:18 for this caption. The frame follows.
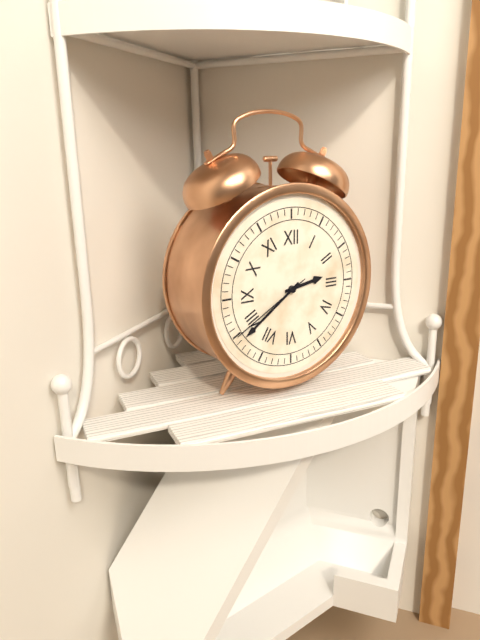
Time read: 2:39:40
